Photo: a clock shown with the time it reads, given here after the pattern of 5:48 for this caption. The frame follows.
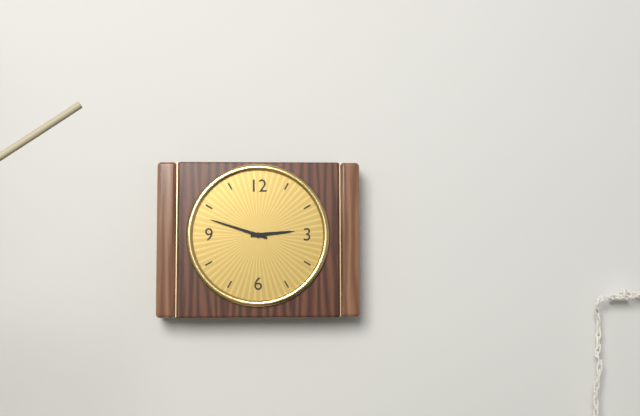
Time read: 2:48
